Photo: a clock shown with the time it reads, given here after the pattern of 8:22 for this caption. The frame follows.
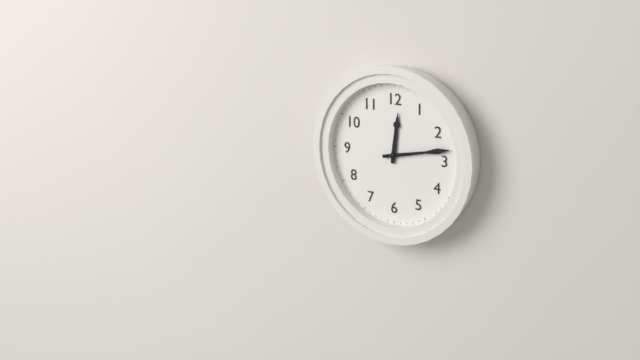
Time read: 12:13
